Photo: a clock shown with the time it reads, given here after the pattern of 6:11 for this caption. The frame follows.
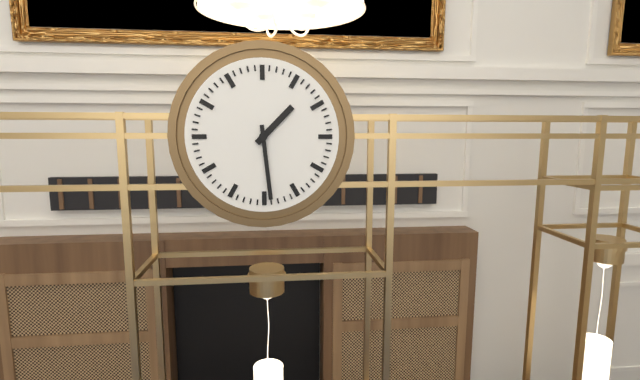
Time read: 1:29
